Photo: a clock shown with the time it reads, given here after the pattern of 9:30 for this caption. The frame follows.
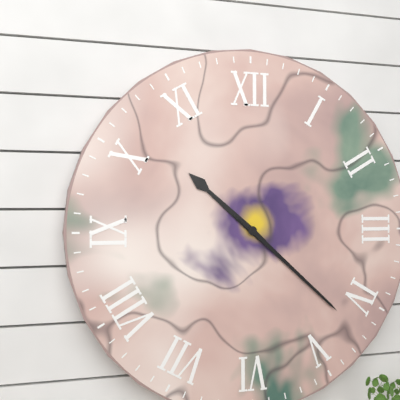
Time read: 10:22
